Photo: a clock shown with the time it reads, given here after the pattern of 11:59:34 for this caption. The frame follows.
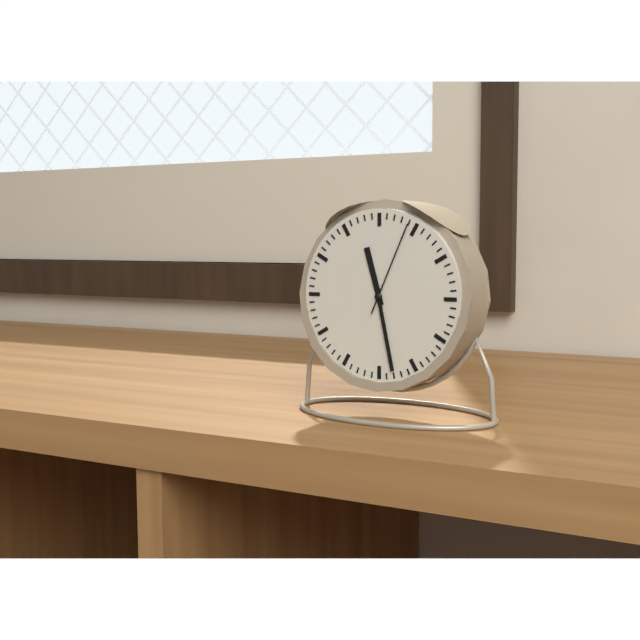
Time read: 11:28:04
